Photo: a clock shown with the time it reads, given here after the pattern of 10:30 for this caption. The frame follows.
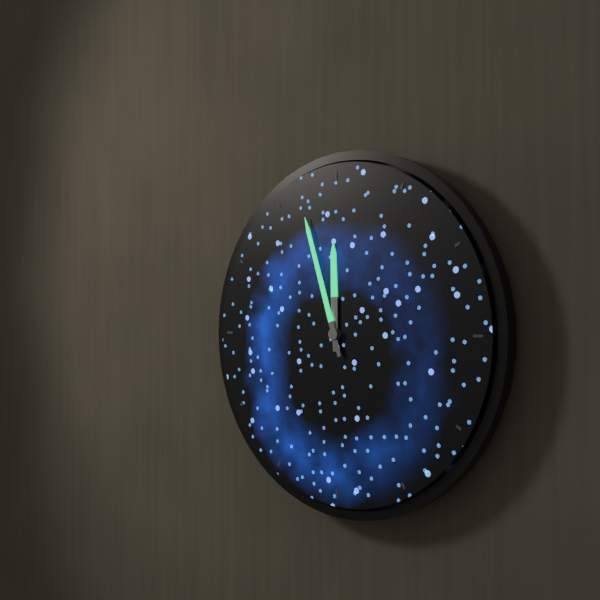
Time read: 11:57
